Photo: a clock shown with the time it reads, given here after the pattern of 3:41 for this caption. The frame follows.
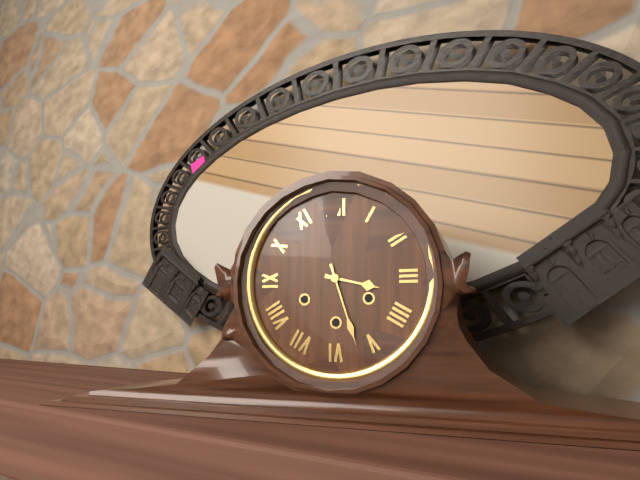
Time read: 3:27
